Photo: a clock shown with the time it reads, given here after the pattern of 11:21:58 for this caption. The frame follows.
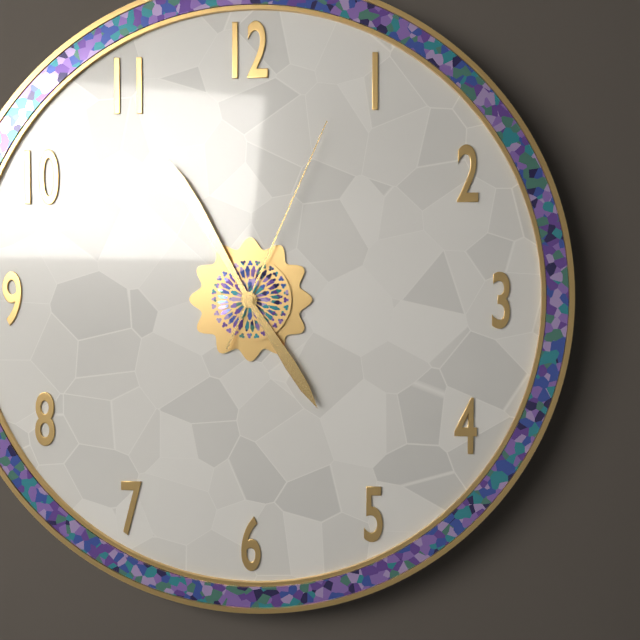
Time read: 4:55:04
